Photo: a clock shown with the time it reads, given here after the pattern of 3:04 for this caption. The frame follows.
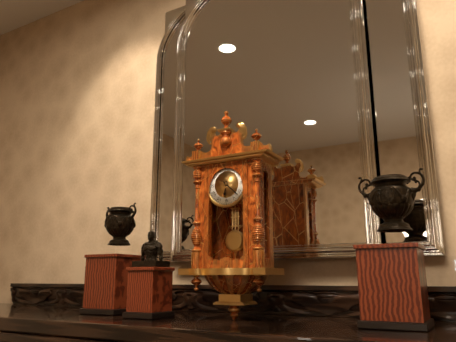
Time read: 6:22
